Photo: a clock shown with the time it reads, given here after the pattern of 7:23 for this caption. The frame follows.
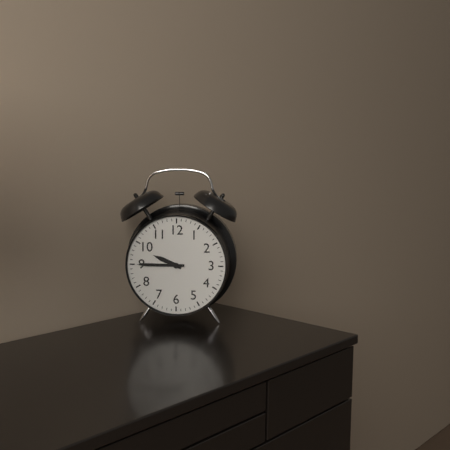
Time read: 9:45
